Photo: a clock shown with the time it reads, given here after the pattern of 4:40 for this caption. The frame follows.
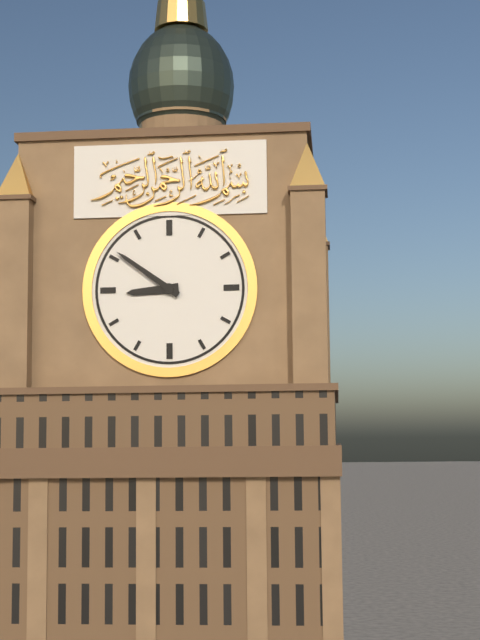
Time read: 8:51
